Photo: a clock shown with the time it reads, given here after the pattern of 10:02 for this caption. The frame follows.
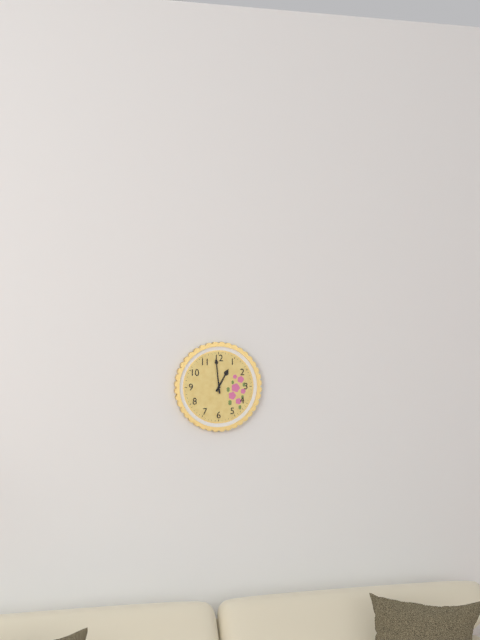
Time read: 12:59
